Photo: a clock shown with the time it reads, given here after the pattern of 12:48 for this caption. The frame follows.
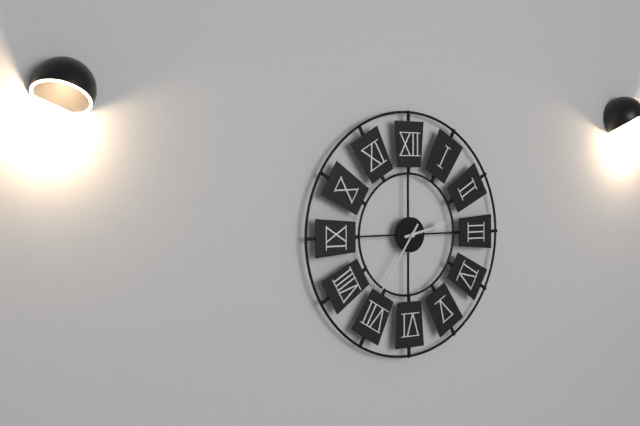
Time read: 2:36
